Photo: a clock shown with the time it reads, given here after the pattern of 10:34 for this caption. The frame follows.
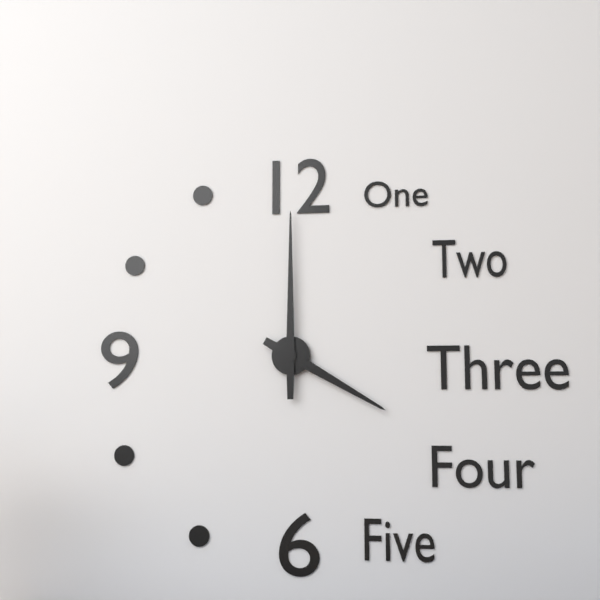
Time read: 4:00
